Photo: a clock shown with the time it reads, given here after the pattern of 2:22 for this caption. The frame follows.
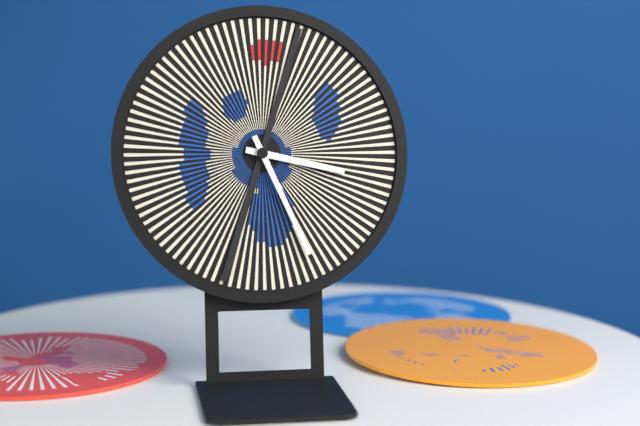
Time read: 3:26
